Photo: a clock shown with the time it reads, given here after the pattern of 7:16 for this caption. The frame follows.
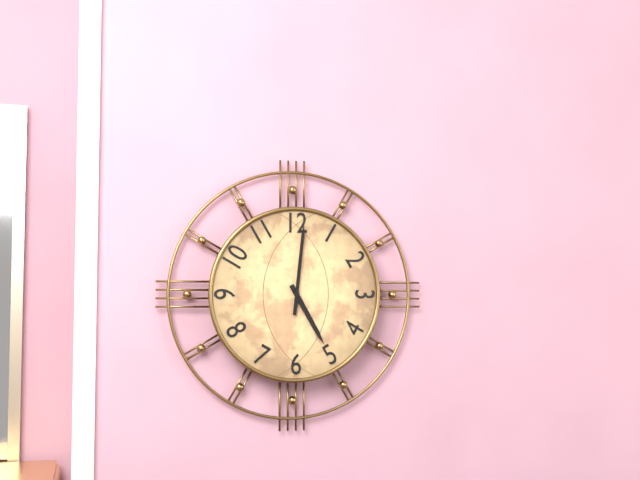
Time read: 5:01
